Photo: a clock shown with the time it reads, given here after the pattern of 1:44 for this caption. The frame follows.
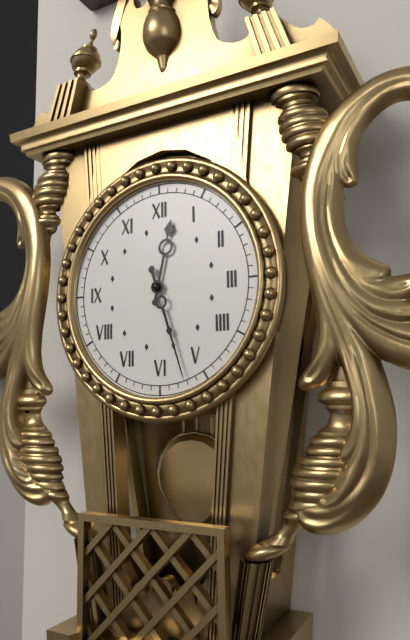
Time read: 12:27
